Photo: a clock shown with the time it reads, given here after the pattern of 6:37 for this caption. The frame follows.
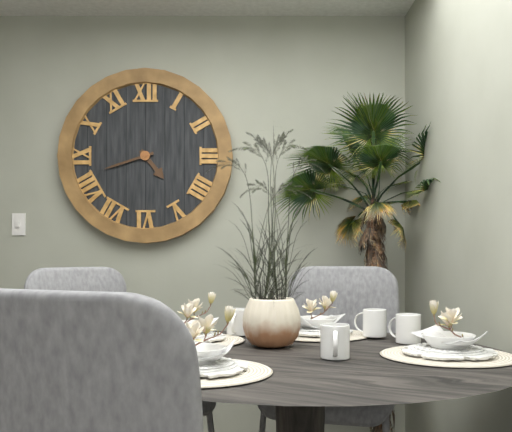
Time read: 4:42
